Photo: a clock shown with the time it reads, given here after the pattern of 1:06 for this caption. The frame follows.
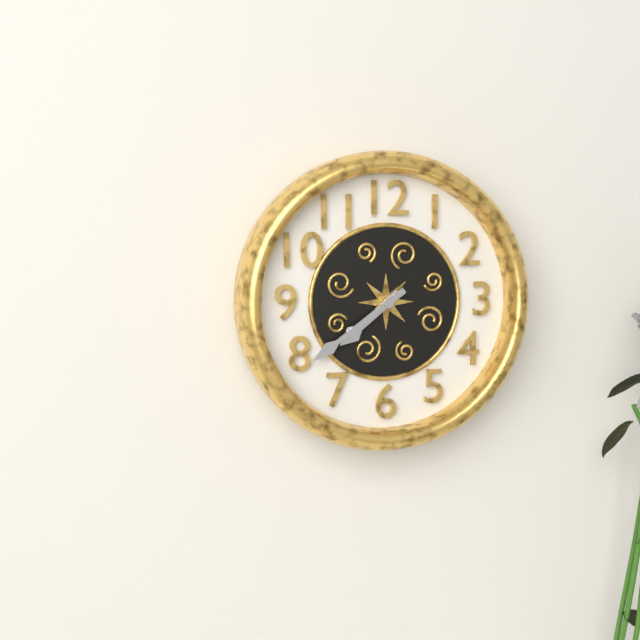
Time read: 7:39
